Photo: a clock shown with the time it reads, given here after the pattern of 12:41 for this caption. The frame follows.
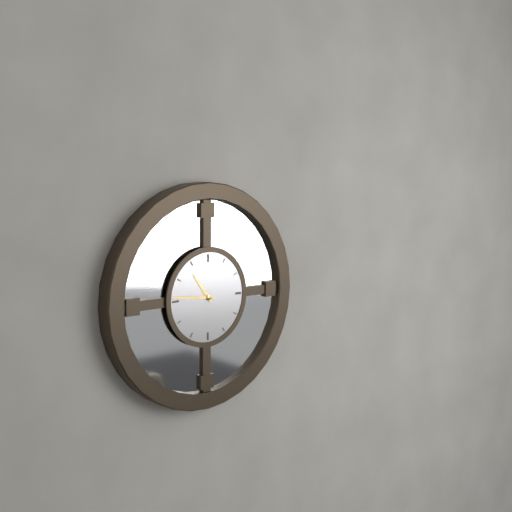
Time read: 10:46
